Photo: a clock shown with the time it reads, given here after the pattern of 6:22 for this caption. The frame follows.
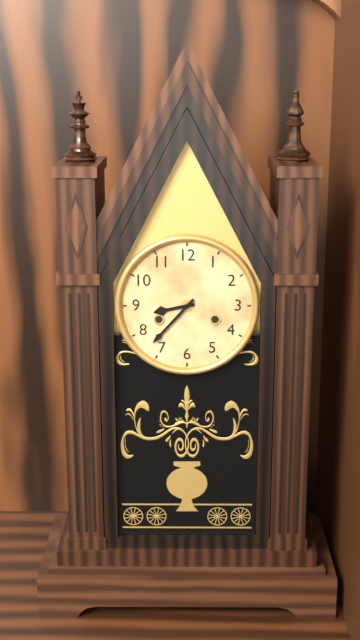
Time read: 8:37
